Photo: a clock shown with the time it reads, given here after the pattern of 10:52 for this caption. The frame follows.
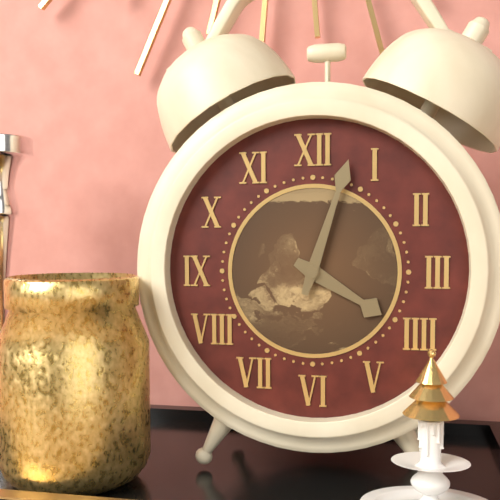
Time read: 4:03
